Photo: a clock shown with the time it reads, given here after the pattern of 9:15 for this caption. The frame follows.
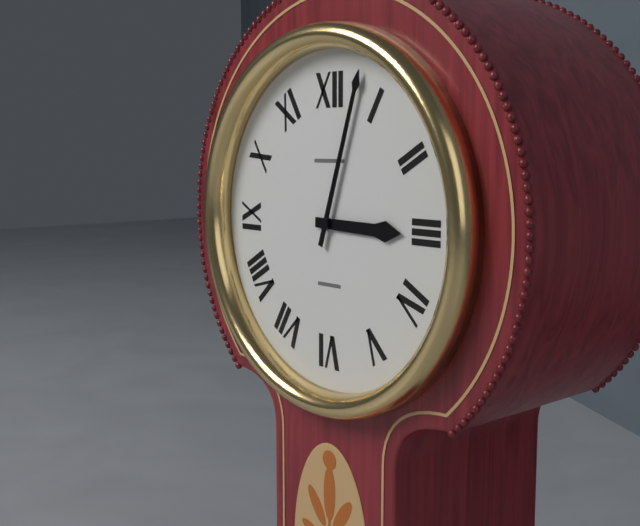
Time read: 3:03
